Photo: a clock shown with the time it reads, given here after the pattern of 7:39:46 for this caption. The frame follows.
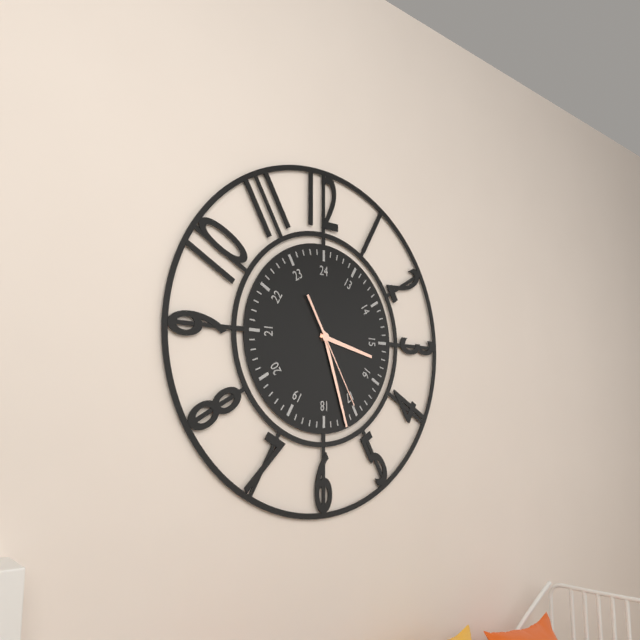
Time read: 3:27:25
